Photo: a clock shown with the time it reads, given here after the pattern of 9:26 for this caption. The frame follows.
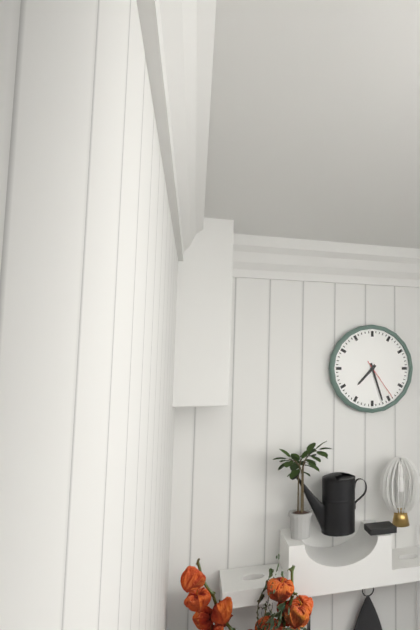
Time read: 7:27
